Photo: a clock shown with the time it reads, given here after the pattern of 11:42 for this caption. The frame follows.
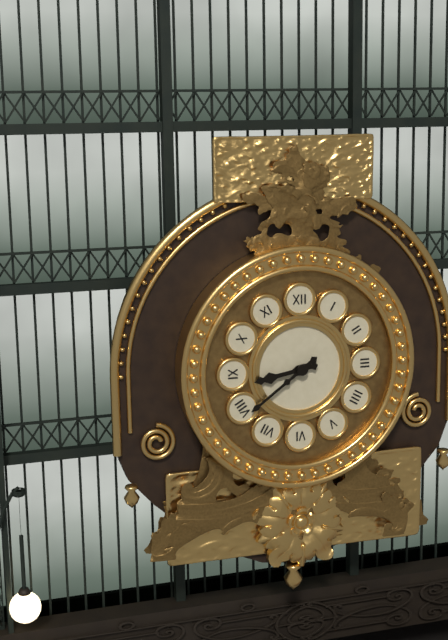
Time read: 8:39
